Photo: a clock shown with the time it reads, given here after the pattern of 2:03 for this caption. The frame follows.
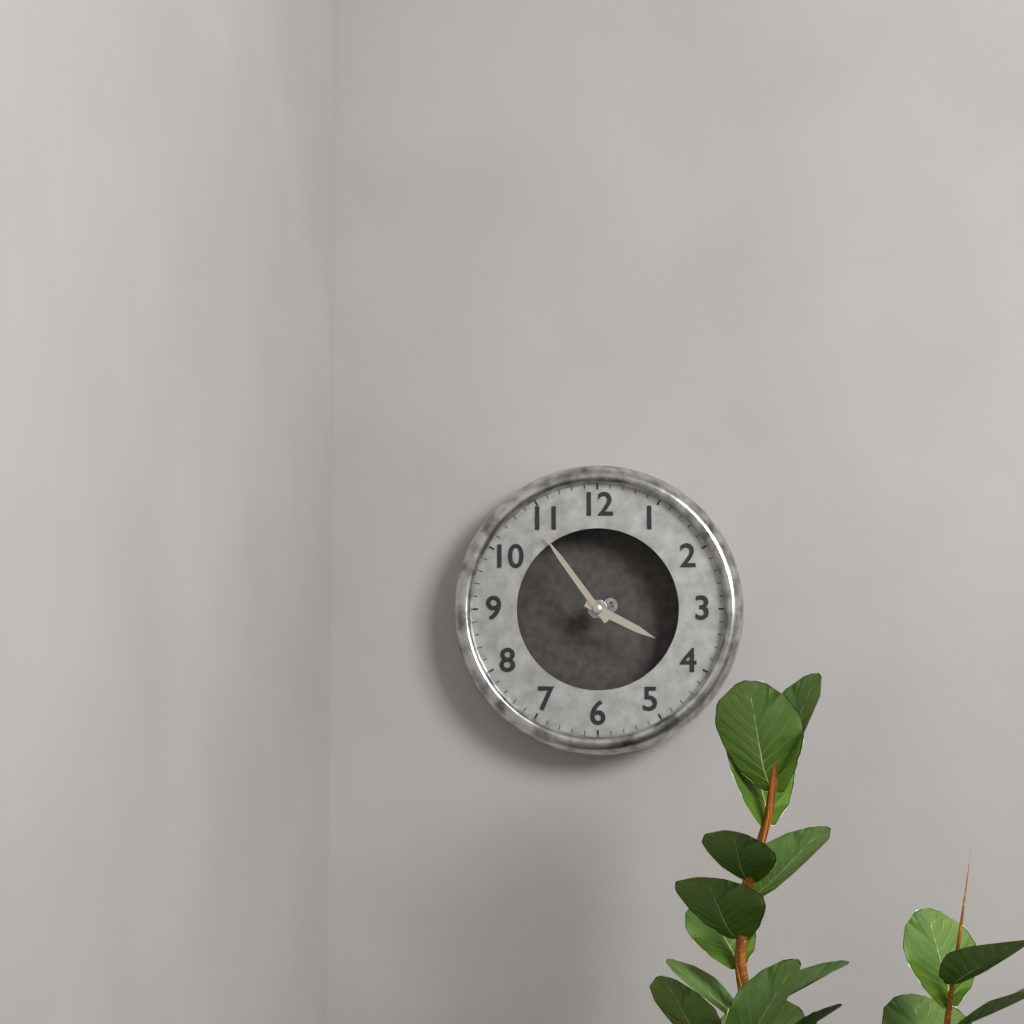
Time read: 3:54
